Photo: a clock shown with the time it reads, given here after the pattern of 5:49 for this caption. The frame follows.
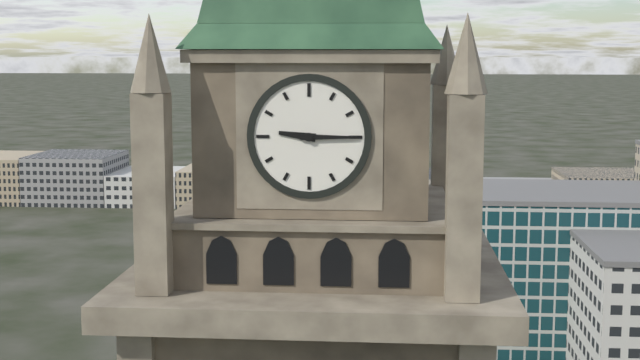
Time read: 9:15
